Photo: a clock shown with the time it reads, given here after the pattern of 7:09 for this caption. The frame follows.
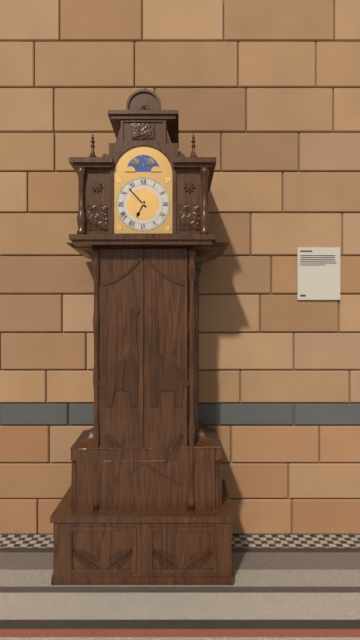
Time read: 6:53
